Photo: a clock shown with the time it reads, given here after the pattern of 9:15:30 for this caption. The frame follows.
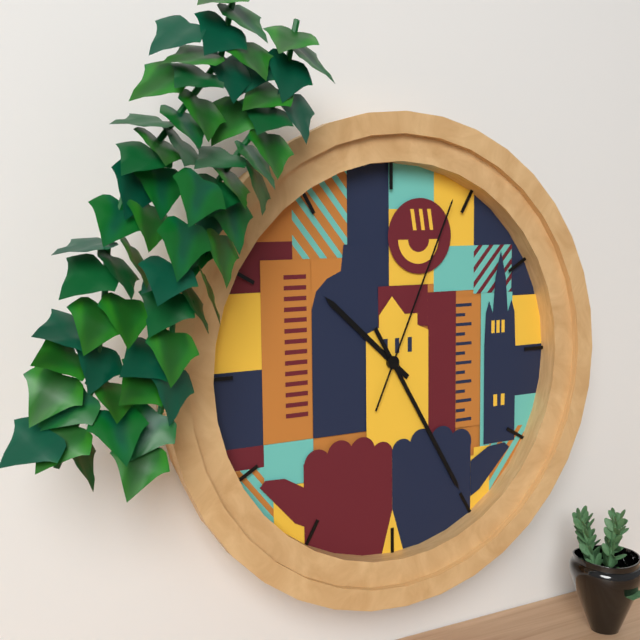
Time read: 10:25:04
